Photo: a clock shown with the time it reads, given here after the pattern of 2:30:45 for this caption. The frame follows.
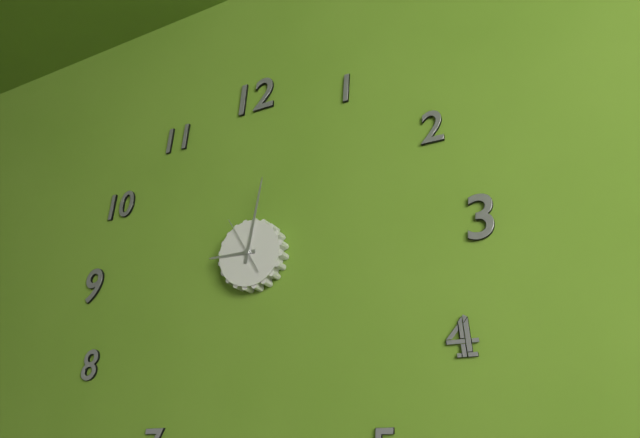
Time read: 9:02:55
